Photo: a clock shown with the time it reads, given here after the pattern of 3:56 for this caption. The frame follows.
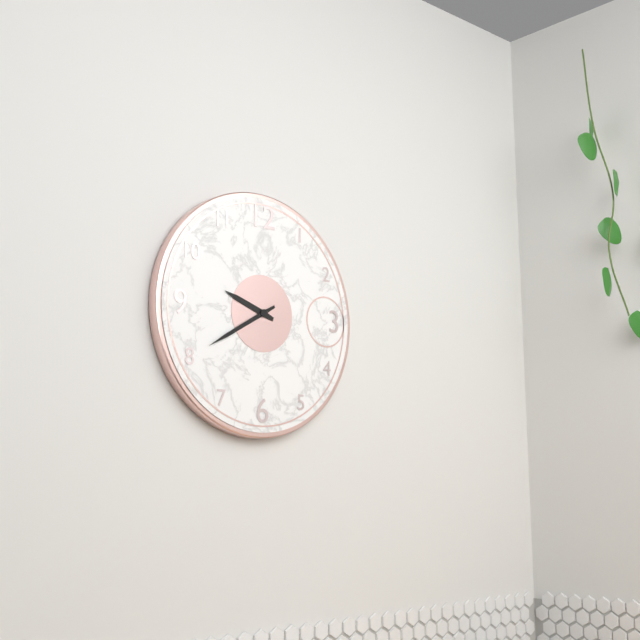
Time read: 9:40
